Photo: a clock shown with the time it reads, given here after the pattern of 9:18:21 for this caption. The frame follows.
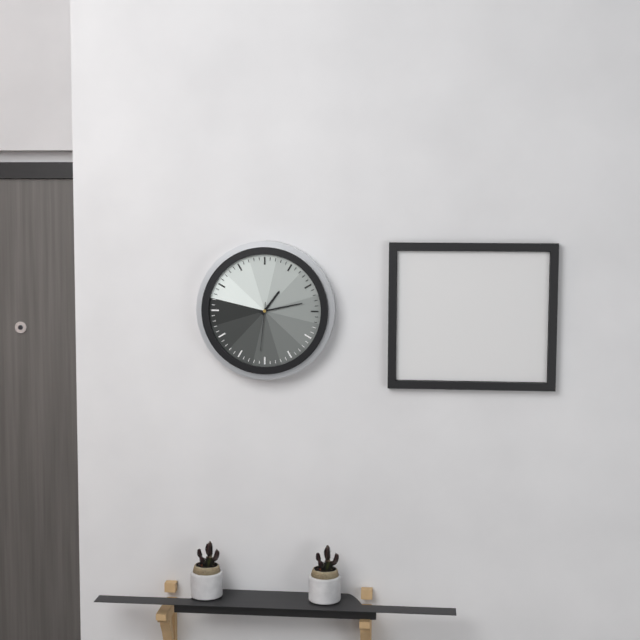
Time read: 1:13:31
